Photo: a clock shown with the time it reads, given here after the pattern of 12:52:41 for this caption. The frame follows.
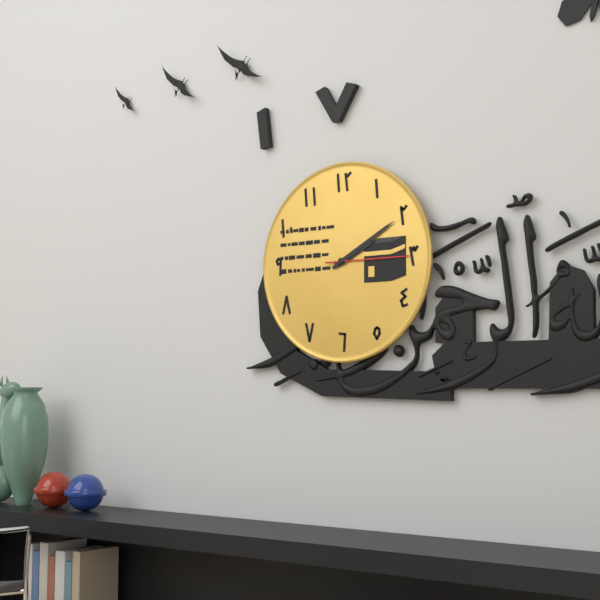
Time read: 2:10:15
